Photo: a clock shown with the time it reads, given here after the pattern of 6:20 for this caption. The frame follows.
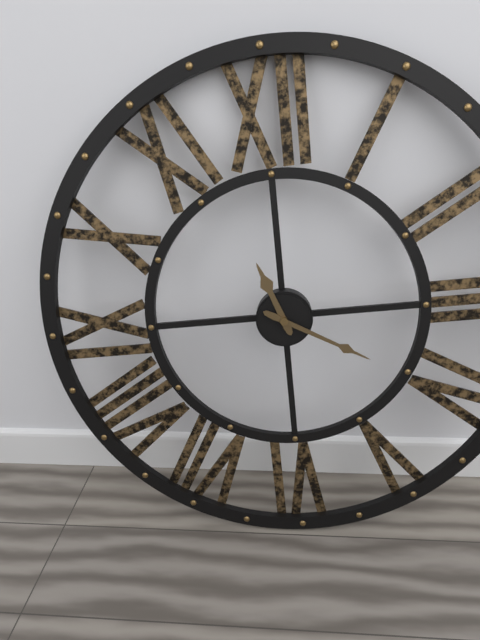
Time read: 11:20
